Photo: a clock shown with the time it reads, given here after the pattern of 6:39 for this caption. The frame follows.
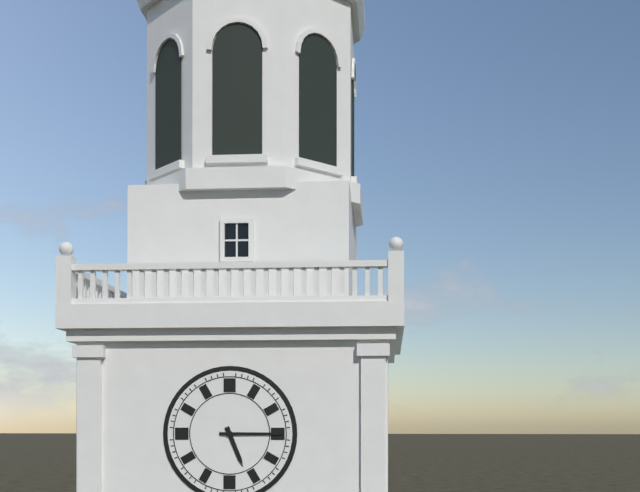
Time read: 5:15
